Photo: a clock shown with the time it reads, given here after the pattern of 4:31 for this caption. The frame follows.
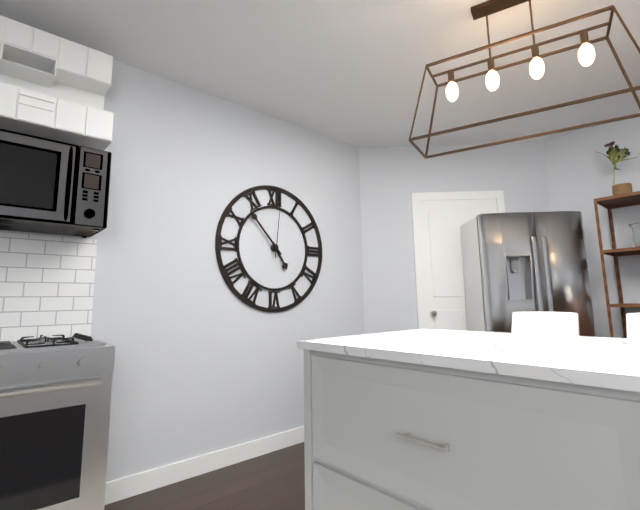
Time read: 4:53
